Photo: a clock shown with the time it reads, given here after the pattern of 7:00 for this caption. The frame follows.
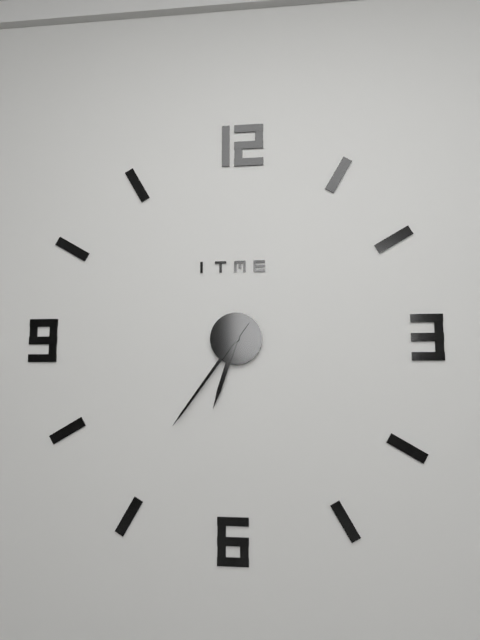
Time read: 6:36
